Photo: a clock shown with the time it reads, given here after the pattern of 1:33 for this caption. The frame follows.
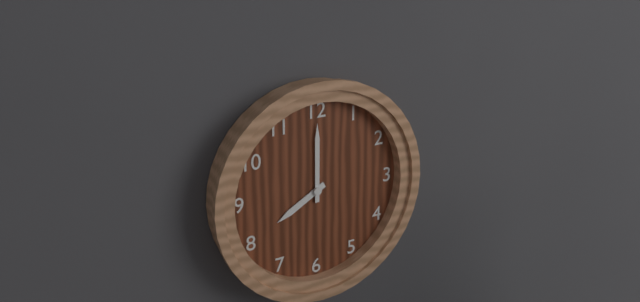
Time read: 8:00
